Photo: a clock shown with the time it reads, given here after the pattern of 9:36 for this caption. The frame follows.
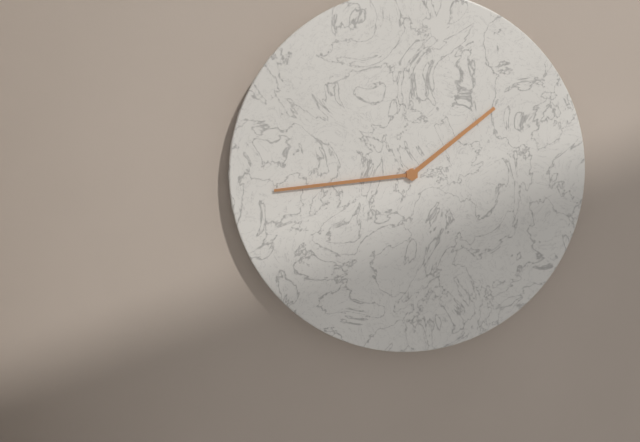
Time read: 1:44
